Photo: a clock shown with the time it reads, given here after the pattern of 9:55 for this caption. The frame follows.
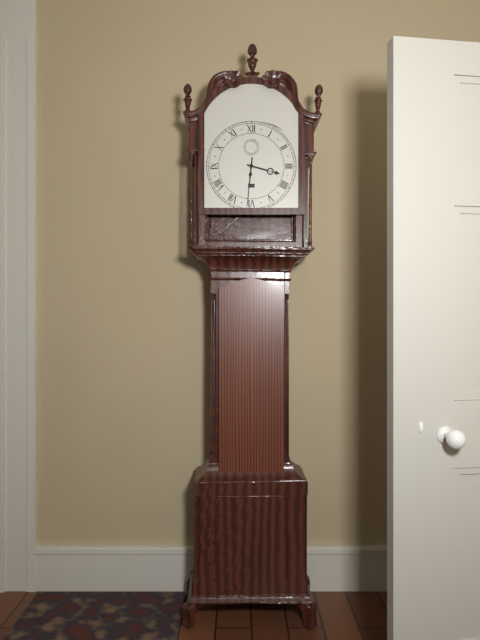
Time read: 3:31
